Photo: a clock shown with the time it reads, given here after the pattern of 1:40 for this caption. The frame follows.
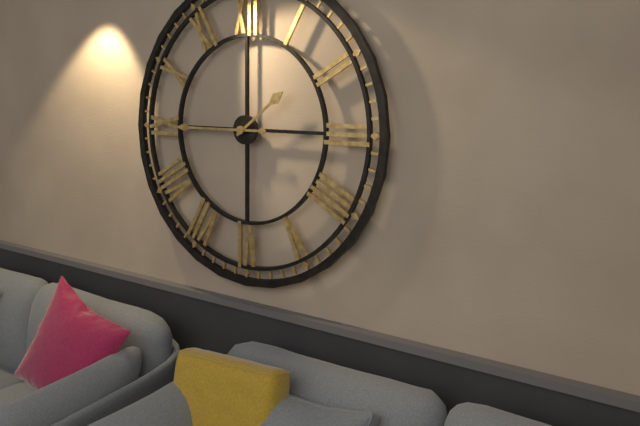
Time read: 1:45
